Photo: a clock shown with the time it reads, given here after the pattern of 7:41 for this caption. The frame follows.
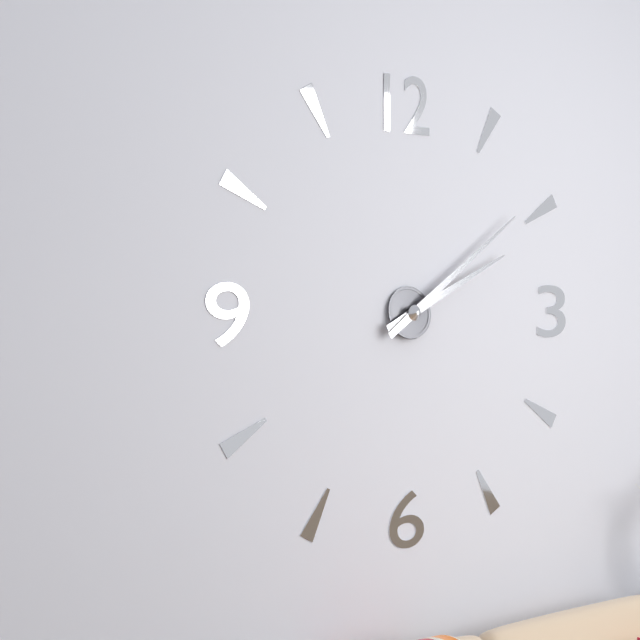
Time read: 2:09
